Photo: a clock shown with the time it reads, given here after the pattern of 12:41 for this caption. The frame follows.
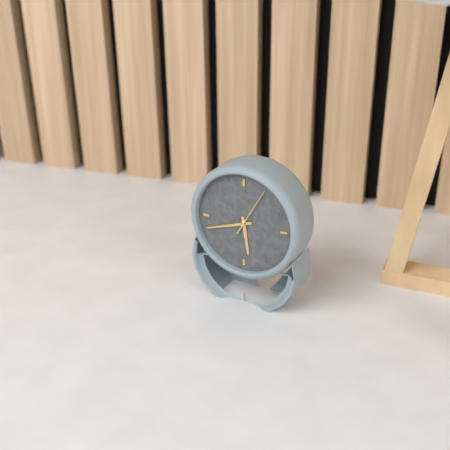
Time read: 5:42
